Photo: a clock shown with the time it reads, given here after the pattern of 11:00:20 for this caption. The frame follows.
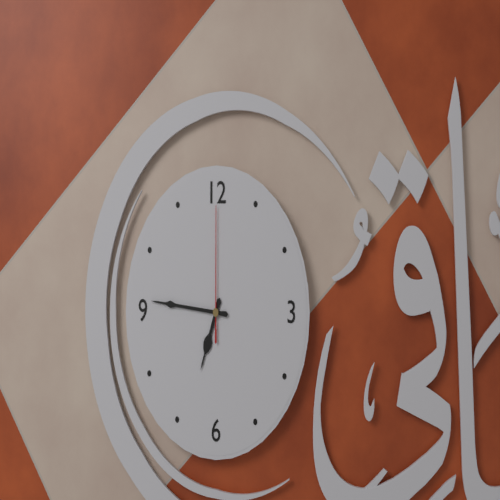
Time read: 6:46:00
